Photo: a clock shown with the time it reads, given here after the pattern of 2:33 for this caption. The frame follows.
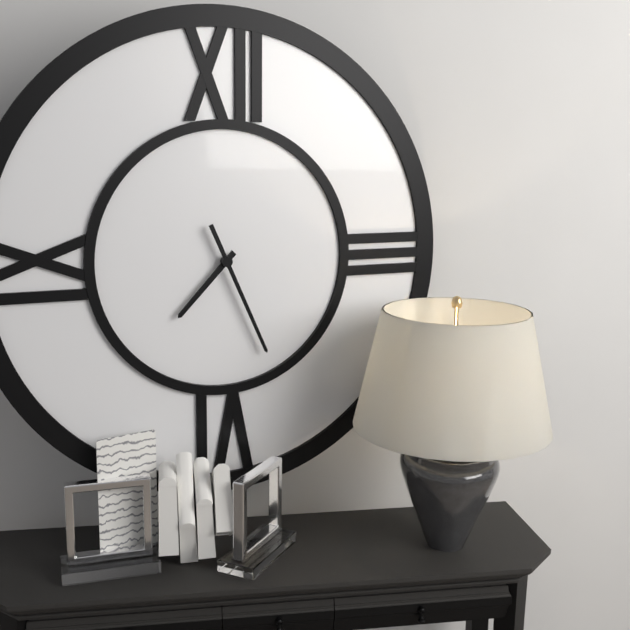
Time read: 7:26
